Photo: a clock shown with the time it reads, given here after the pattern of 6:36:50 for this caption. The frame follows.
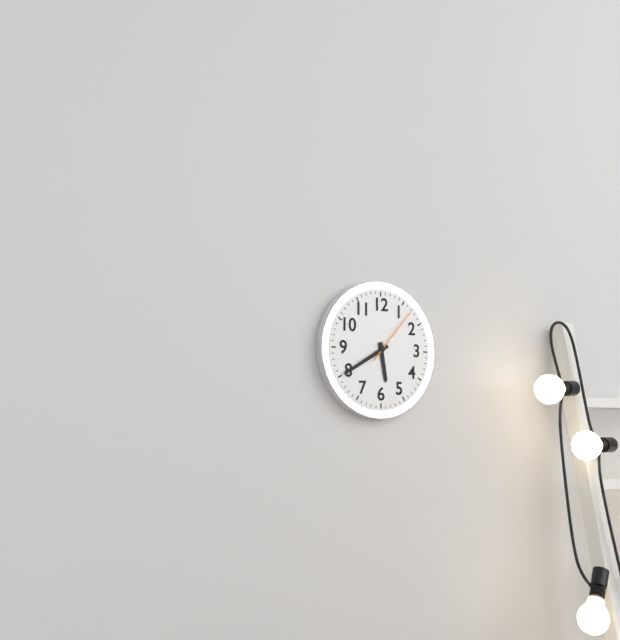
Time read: 5:40:07
